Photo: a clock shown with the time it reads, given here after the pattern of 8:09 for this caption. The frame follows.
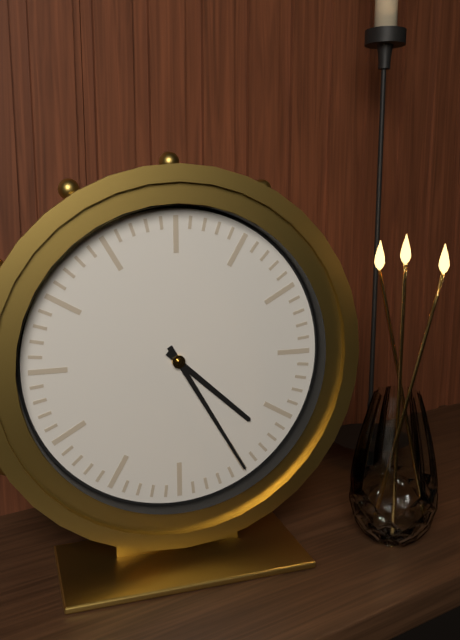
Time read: 4:25
